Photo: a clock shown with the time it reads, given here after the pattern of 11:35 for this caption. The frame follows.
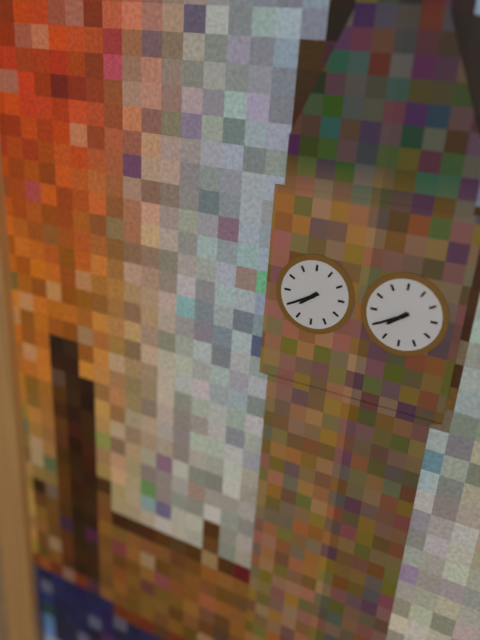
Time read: 7:40
